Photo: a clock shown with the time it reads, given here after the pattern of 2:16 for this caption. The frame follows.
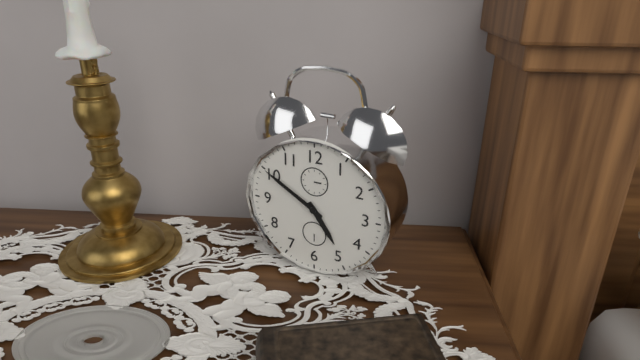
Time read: 4:50
